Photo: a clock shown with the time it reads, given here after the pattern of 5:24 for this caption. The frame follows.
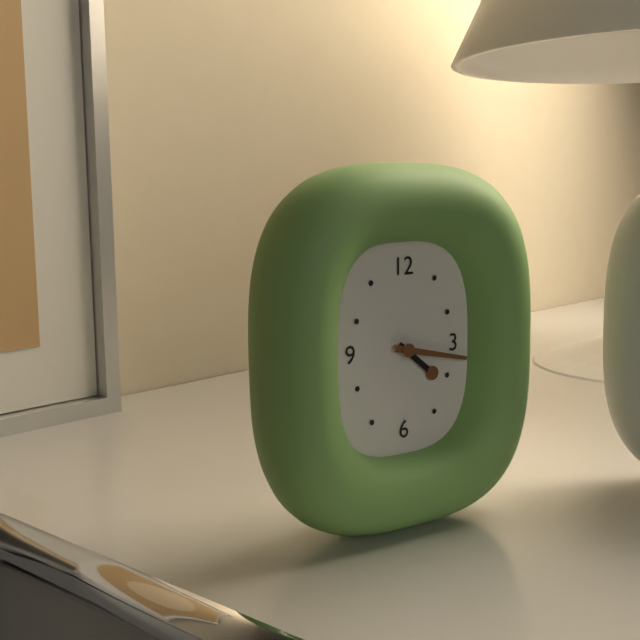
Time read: 4:17
